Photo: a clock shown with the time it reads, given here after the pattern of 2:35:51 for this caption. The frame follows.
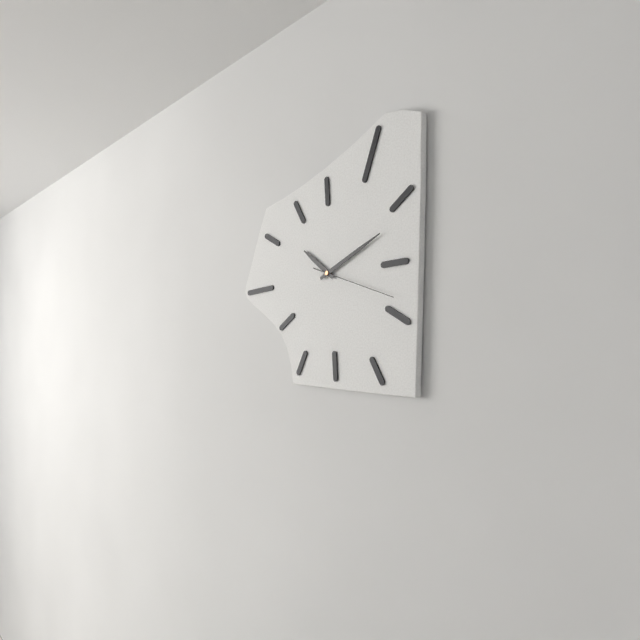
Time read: 10:11:18
